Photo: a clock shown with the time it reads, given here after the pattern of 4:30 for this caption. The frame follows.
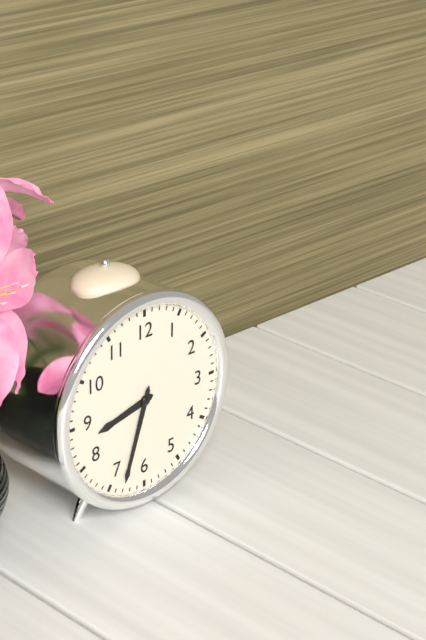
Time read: 8:33
